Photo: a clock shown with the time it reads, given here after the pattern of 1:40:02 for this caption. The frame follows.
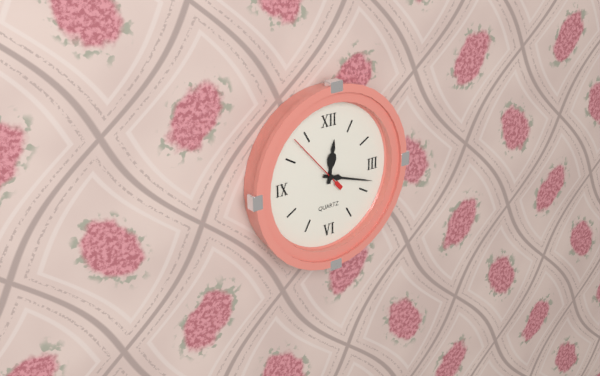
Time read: 12:18:53
